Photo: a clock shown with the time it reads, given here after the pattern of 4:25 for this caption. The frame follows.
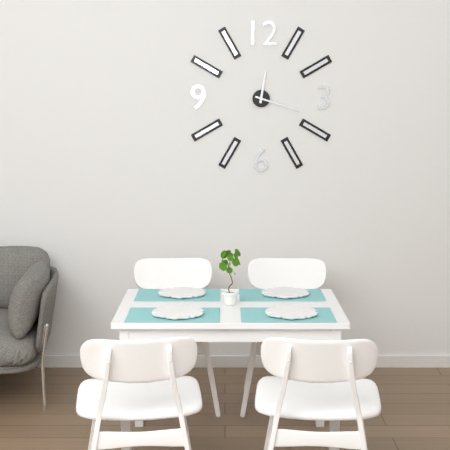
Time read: 12:18
